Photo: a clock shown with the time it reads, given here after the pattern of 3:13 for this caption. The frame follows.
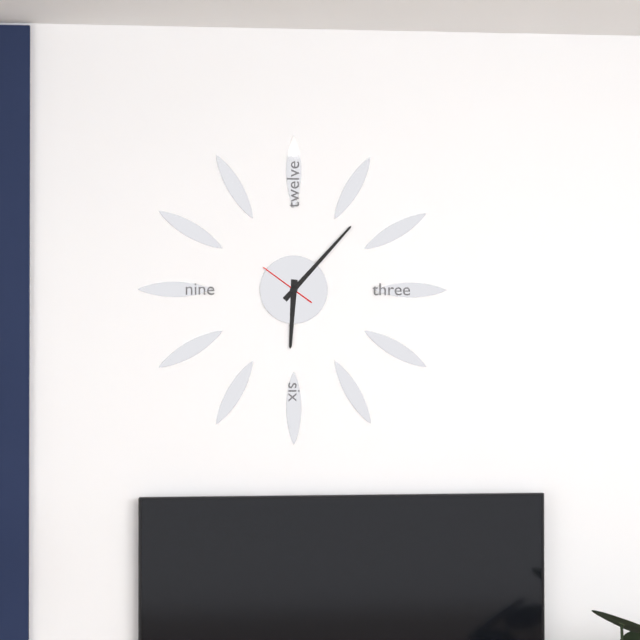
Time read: 6:07
